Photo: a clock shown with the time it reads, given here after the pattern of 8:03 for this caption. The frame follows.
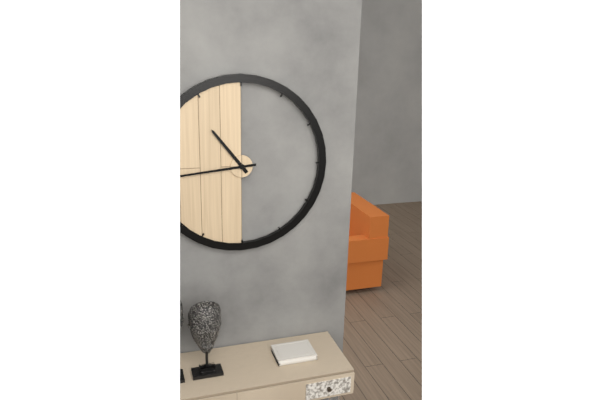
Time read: 10:44
